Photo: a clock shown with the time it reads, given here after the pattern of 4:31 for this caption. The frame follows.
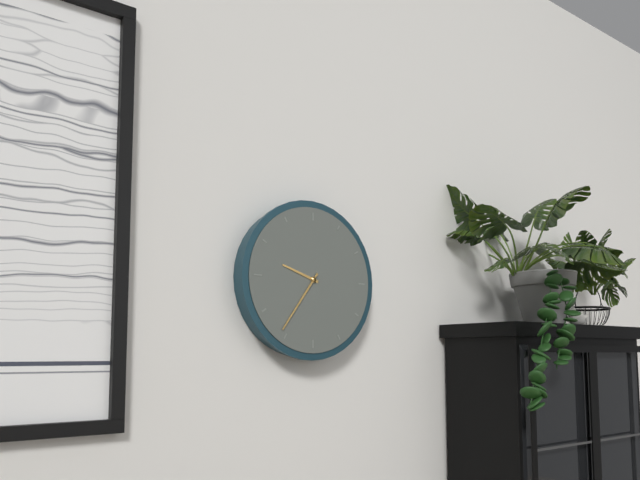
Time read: 9:36
